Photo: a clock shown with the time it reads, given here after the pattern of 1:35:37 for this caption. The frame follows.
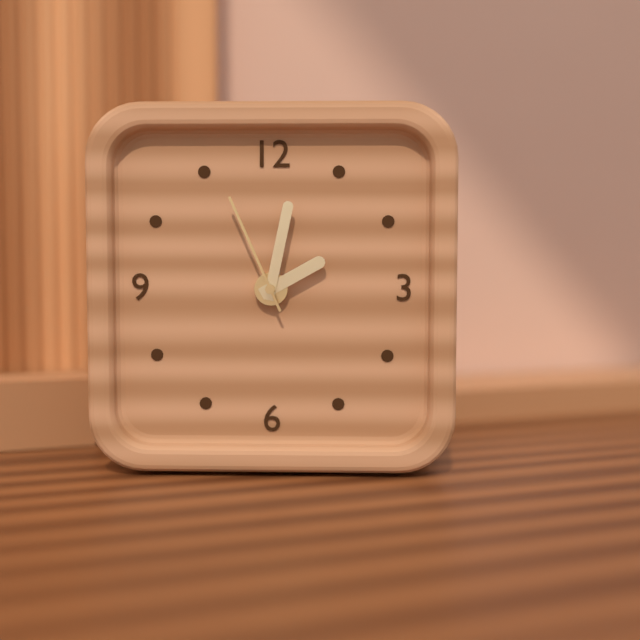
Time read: 2:02:56
